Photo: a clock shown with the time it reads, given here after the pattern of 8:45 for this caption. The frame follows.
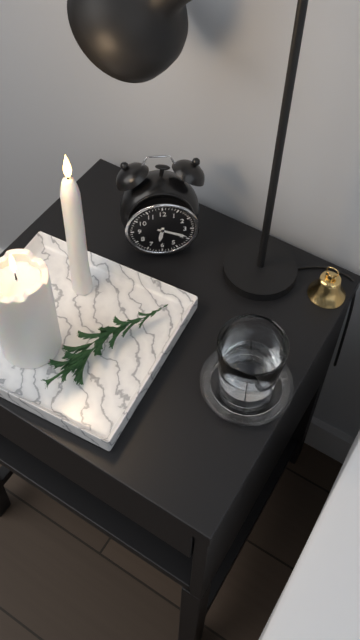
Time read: 6:19
